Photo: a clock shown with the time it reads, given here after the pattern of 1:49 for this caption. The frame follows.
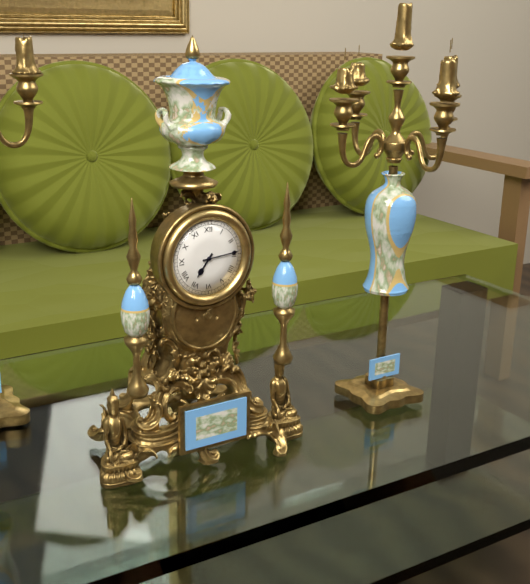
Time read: 7:14
